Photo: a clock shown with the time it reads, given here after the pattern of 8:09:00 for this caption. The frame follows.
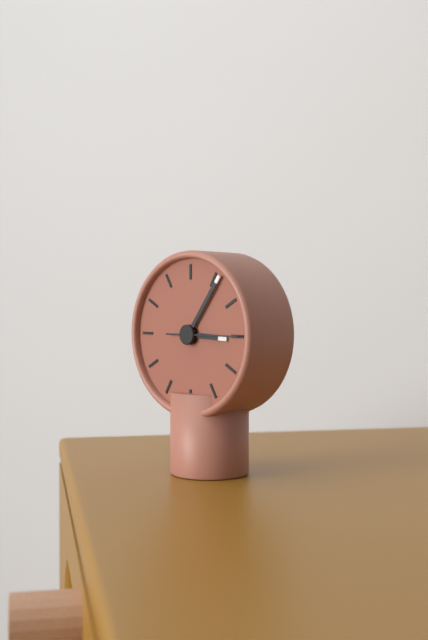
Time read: 3:06:15
